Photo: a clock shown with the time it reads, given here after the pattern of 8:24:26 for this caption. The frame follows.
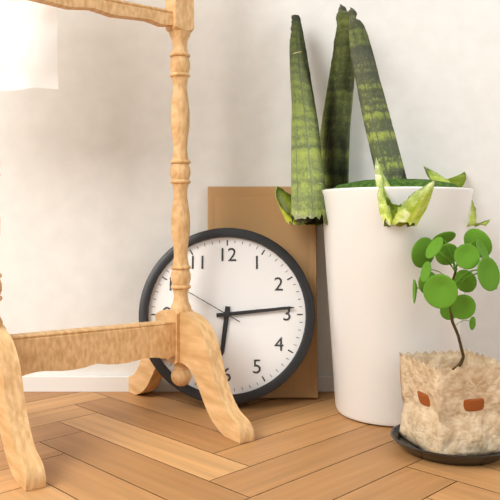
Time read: 6:14:50
